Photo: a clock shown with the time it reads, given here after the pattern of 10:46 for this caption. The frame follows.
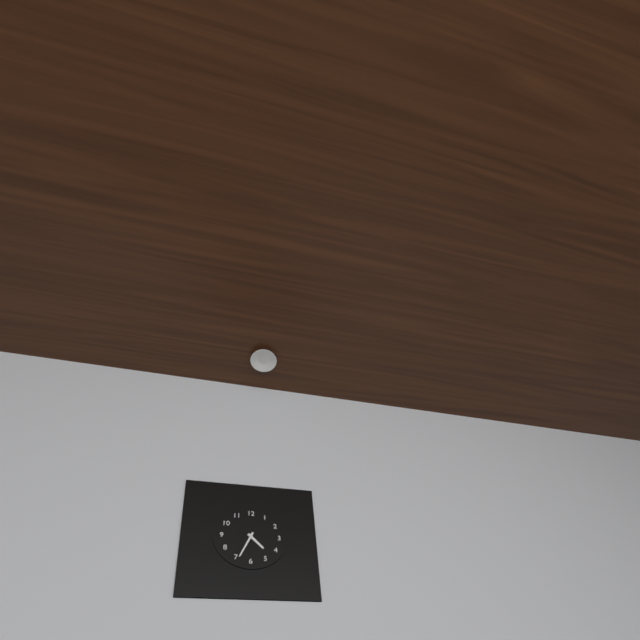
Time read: 4:34
